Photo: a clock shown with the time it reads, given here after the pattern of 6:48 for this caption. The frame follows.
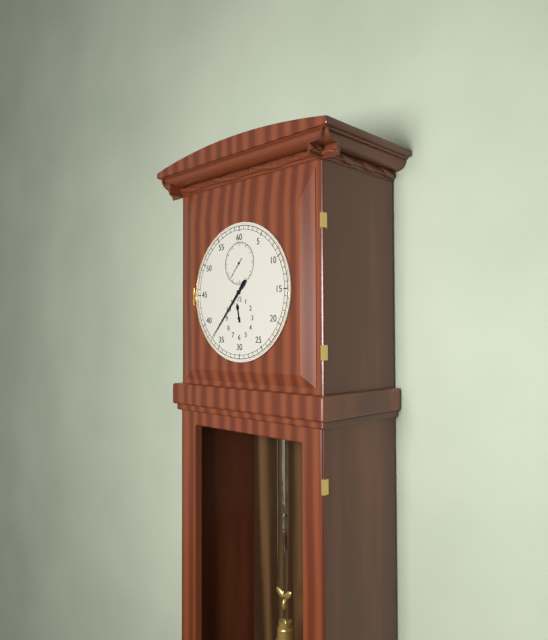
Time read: 11:37
